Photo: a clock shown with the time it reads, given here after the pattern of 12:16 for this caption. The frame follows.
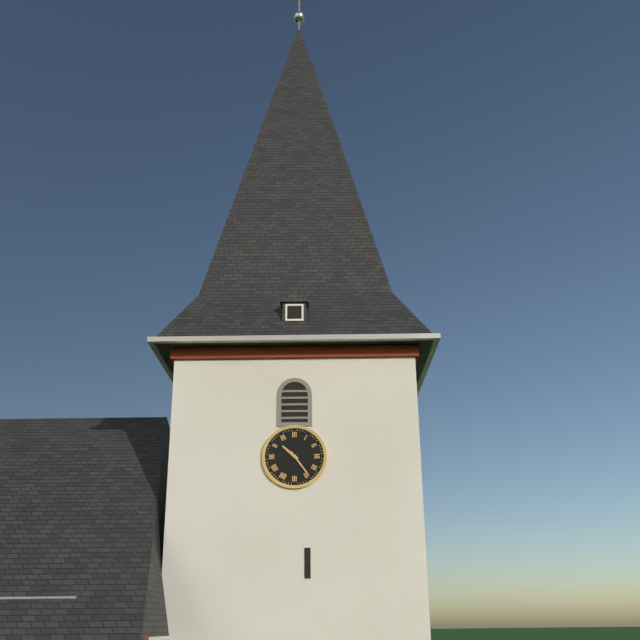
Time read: 10:24
